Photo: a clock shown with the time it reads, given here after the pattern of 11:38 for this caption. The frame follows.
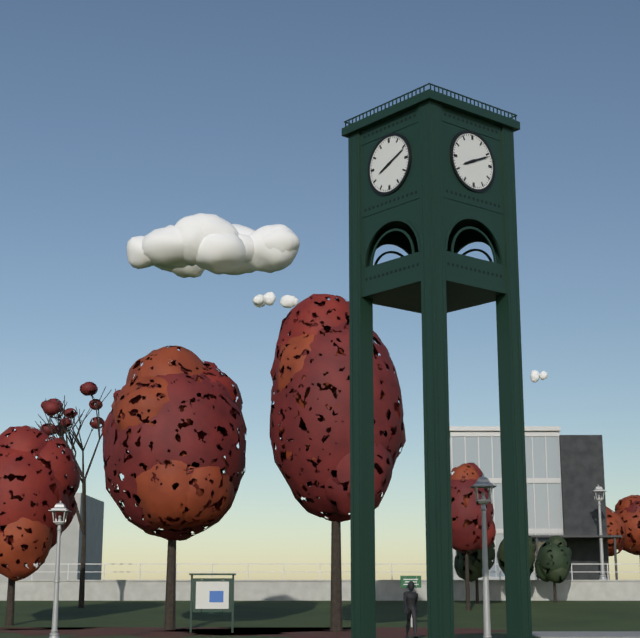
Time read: 8:11
